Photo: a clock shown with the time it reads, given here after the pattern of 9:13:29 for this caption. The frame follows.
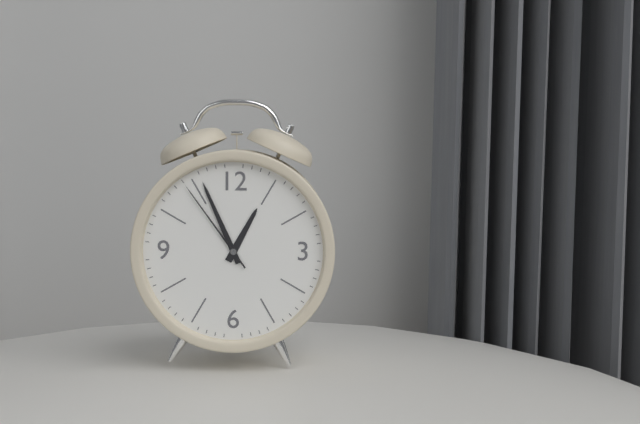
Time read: 12:56:54
